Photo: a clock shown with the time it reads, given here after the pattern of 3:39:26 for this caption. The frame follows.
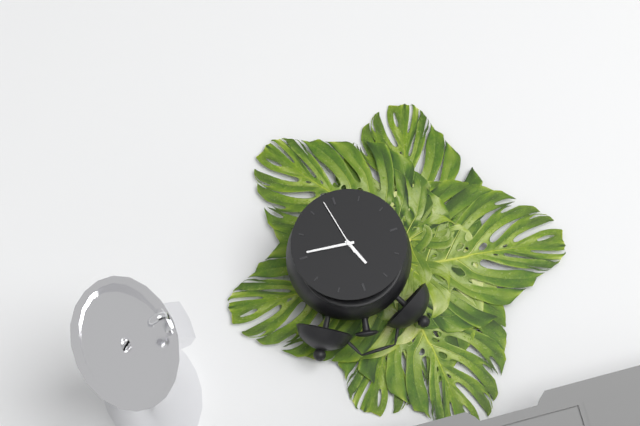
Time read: 11:16:28
